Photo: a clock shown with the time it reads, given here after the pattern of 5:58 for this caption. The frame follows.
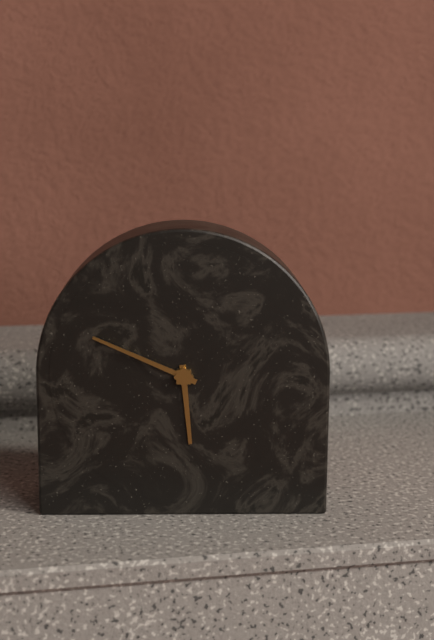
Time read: 5:49
